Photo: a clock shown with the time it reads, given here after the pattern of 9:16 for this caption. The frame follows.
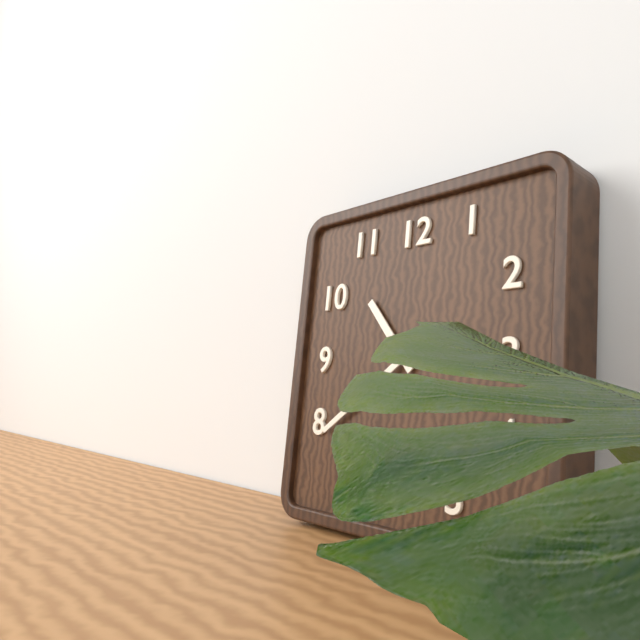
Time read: 10:39
